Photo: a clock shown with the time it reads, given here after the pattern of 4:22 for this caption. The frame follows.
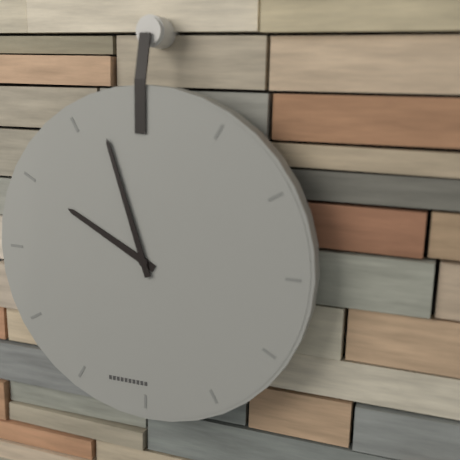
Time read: 9:57
